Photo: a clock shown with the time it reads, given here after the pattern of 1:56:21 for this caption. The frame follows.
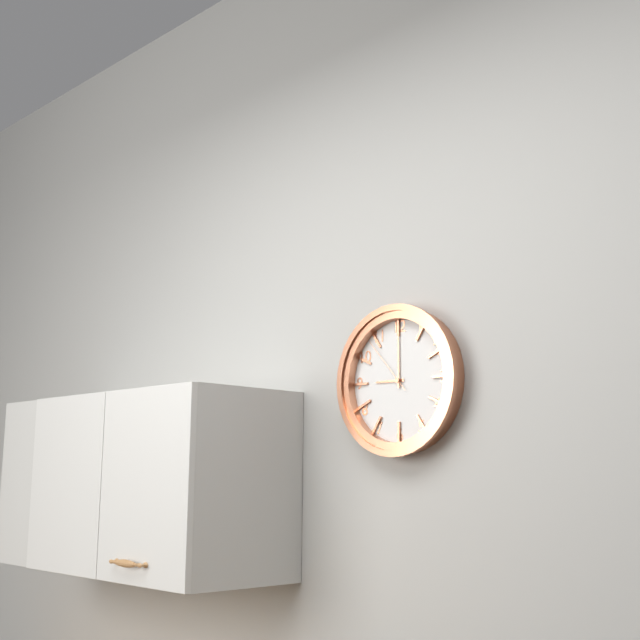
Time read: 9:00:53
